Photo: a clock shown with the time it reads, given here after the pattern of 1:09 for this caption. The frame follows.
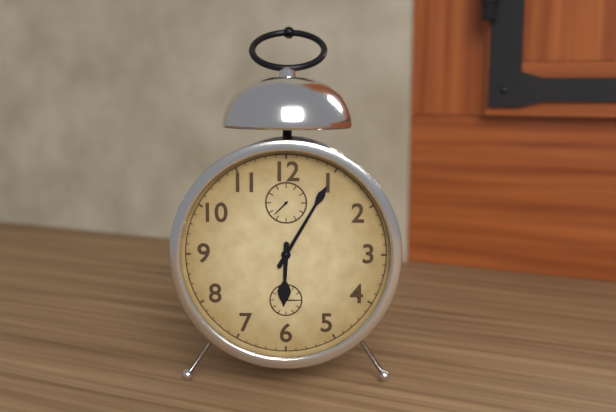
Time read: 6:05
